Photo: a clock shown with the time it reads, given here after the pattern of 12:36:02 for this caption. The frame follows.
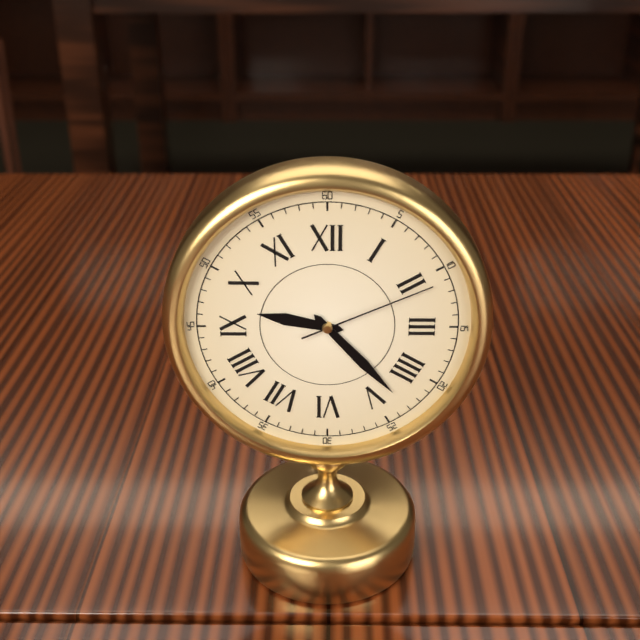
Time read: 9:23:11
